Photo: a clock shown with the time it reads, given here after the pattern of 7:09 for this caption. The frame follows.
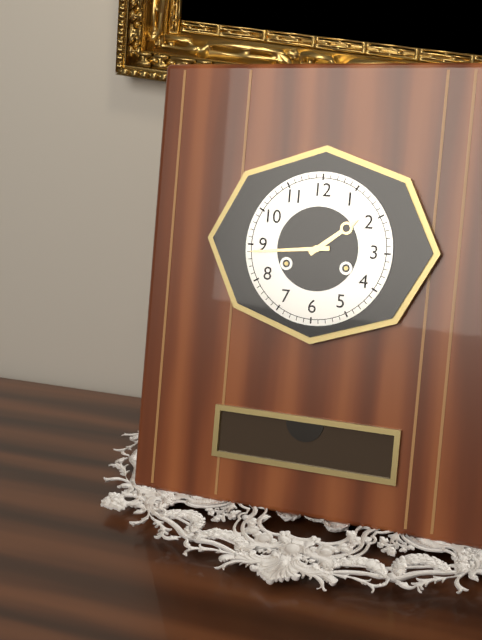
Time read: 1:44
